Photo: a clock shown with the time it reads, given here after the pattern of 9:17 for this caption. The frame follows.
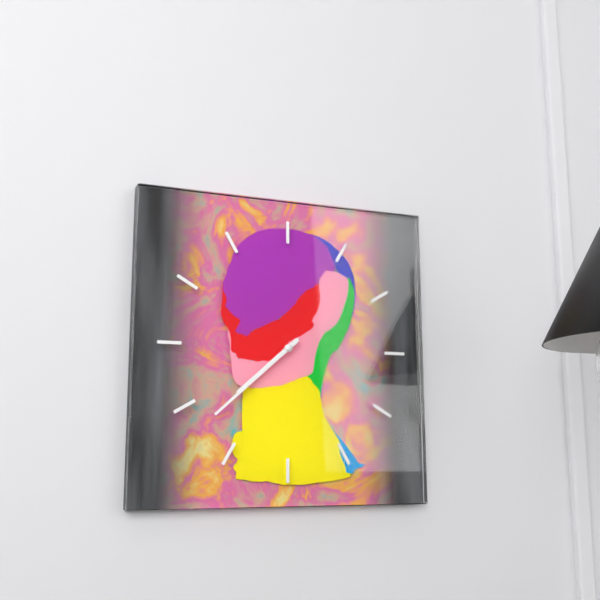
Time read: 7:38
